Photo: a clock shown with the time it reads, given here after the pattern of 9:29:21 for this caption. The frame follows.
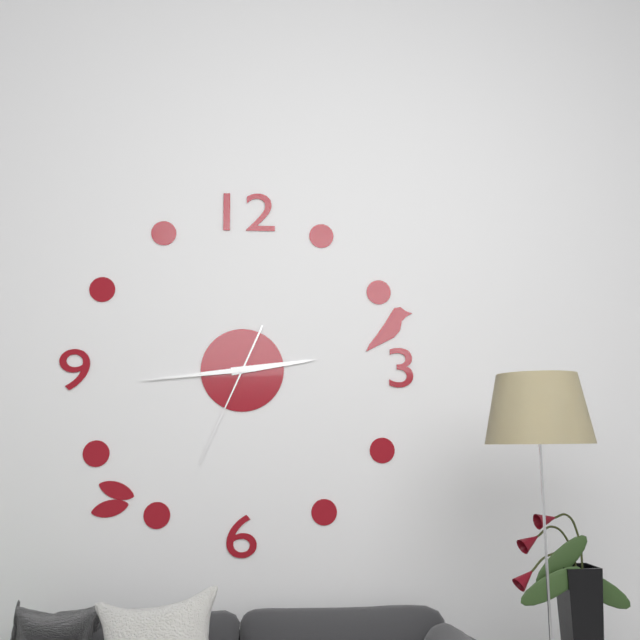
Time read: 2:44:34
